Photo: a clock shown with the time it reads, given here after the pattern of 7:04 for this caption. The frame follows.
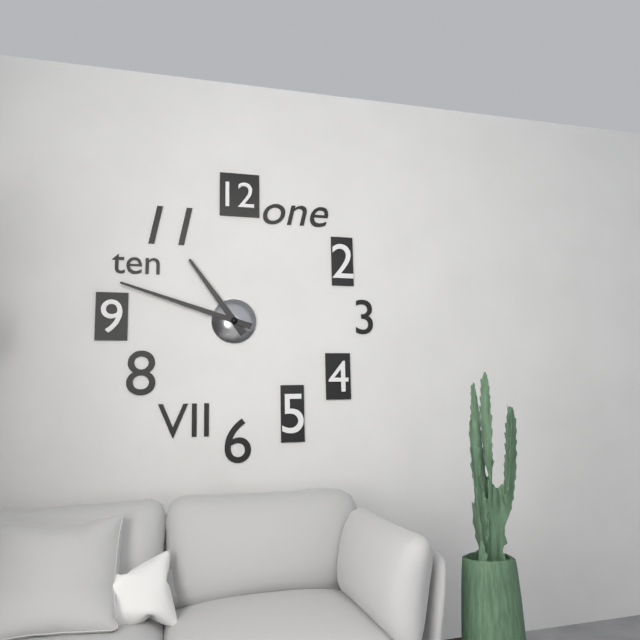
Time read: 10:48
